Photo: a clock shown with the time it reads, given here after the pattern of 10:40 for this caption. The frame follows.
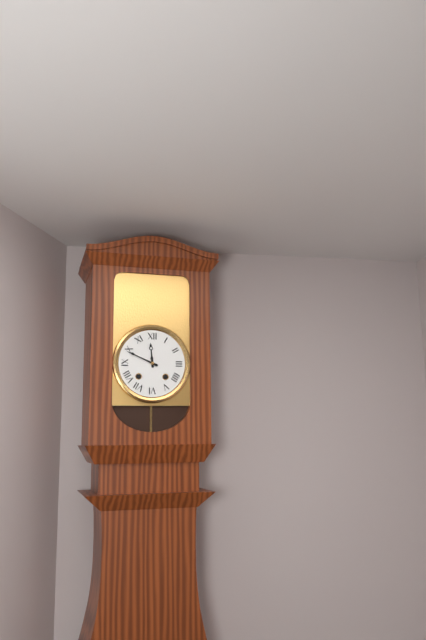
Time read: 11:49
